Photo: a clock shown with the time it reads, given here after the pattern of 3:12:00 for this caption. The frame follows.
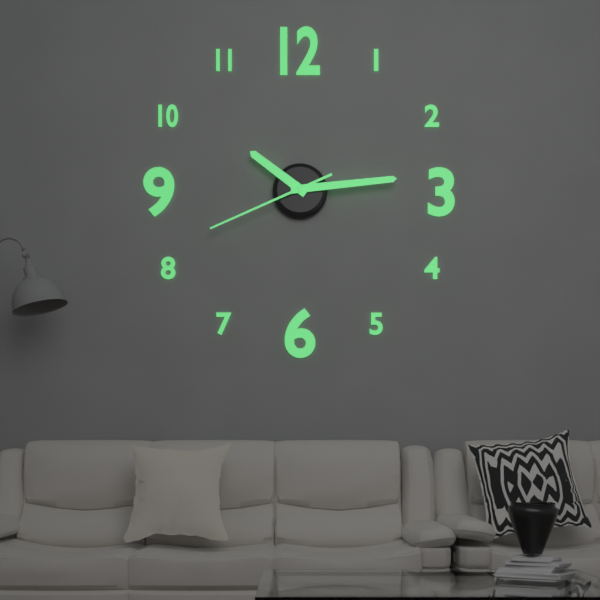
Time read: 10:14:41
